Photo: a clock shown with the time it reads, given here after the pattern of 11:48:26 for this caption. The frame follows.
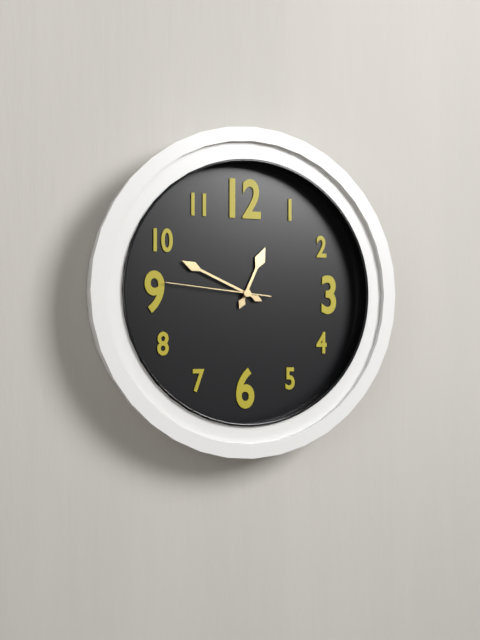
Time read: 12:49:46
